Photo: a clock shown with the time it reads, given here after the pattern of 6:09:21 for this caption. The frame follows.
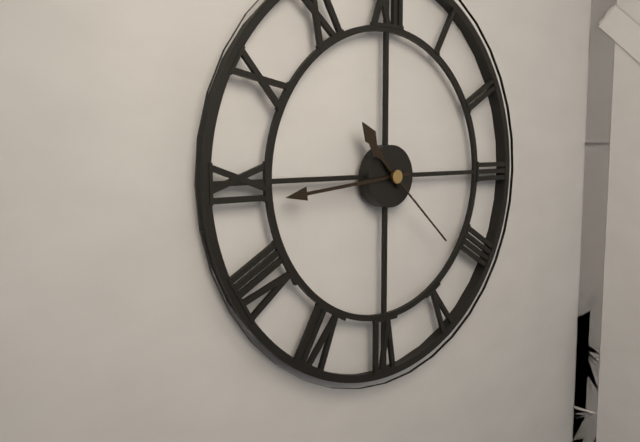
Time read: 10:44:22
